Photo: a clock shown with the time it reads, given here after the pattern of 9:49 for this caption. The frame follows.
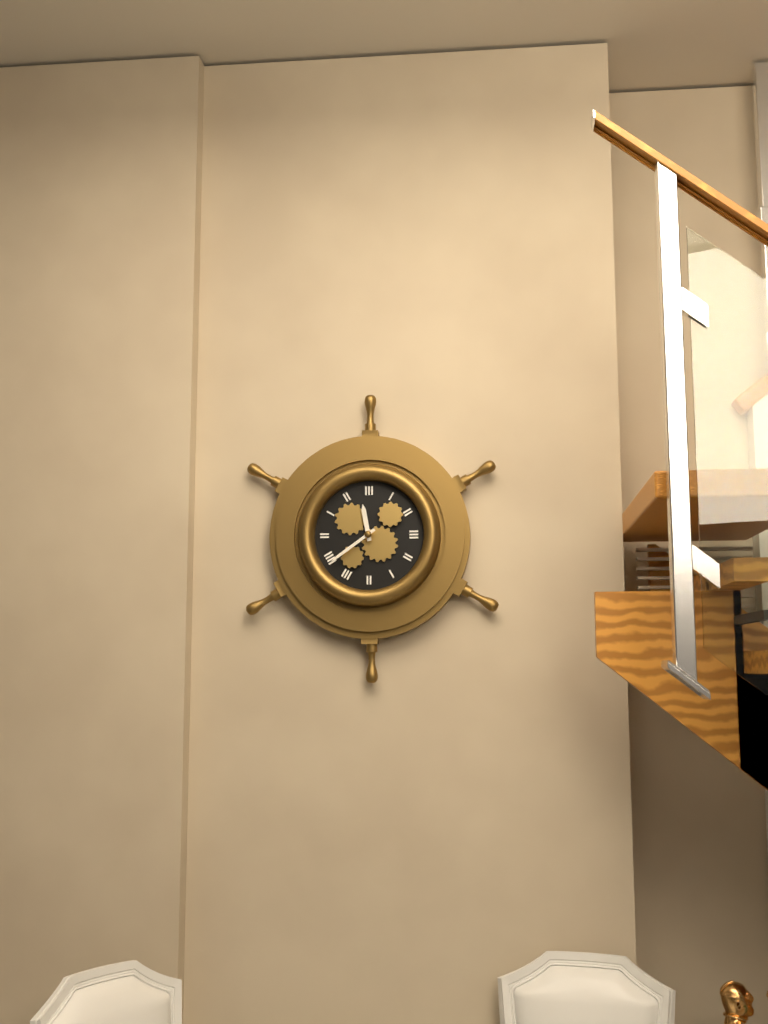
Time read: 11:39
